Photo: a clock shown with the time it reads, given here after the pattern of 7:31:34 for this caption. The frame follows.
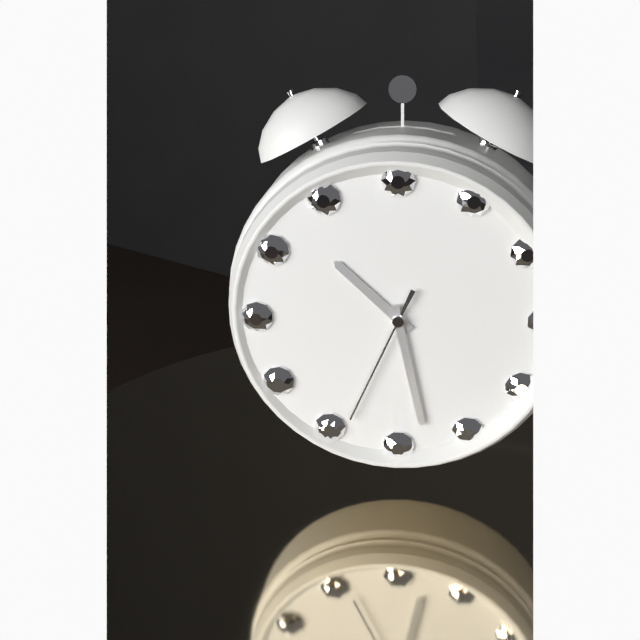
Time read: 10:28:34
